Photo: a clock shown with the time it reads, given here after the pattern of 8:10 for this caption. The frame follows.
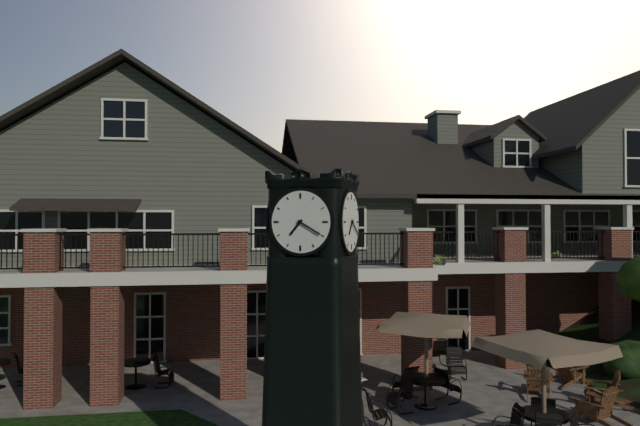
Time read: 7:20
